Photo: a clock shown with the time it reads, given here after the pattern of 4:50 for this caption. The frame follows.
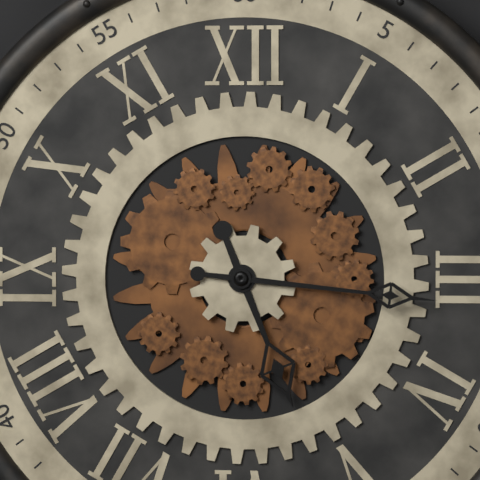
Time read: 5:16
